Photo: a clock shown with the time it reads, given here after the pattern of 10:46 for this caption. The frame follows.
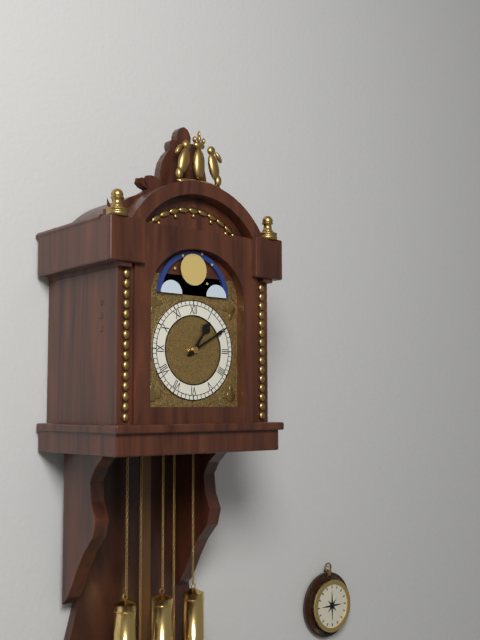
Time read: 1:10
